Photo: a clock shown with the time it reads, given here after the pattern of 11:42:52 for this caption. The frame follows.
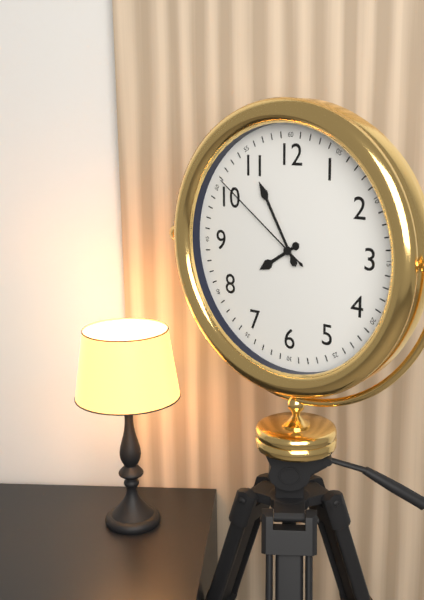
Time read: 7:55:51
